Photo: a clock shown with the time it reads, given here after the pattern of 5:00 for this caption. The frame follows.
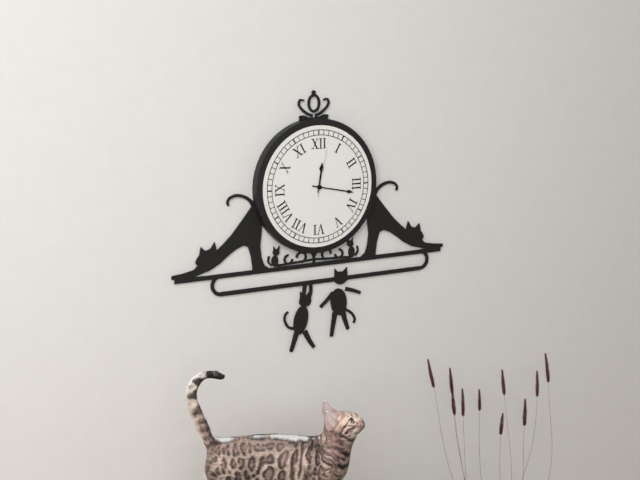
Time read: 12:17
